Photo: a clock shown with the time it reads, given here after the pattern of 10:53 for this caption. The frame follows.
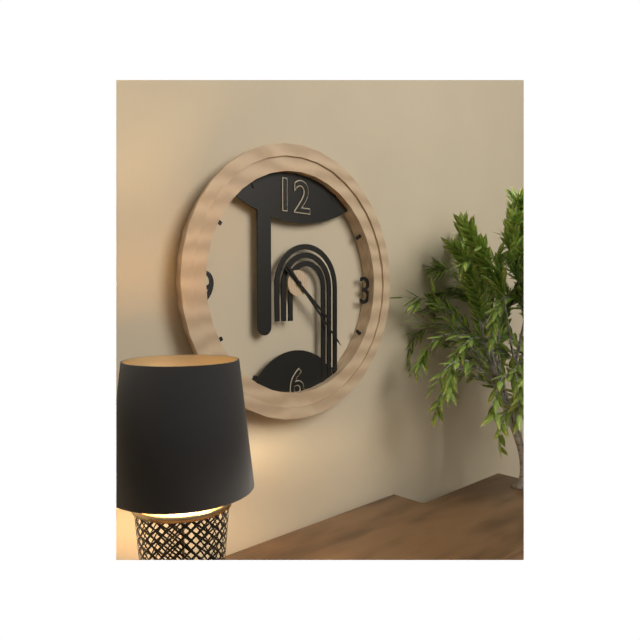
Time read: 4:23
